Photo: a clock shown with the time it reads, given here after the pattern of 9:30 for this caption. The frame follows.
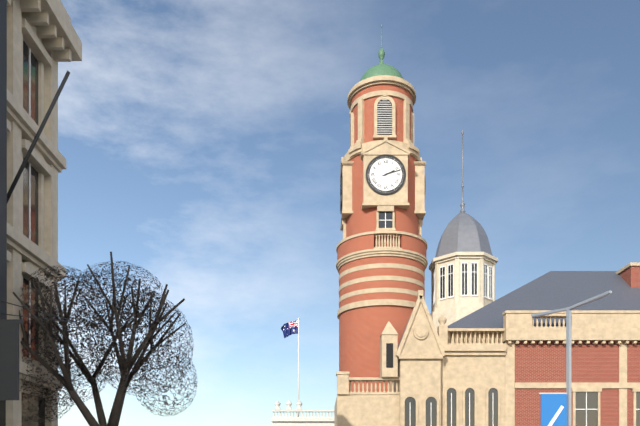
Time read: 2:12
